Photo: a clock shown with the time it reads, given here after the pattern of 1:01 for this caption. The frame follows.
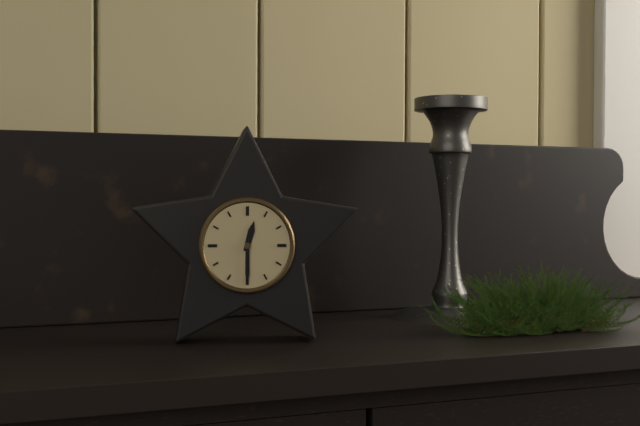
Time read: 12:30
